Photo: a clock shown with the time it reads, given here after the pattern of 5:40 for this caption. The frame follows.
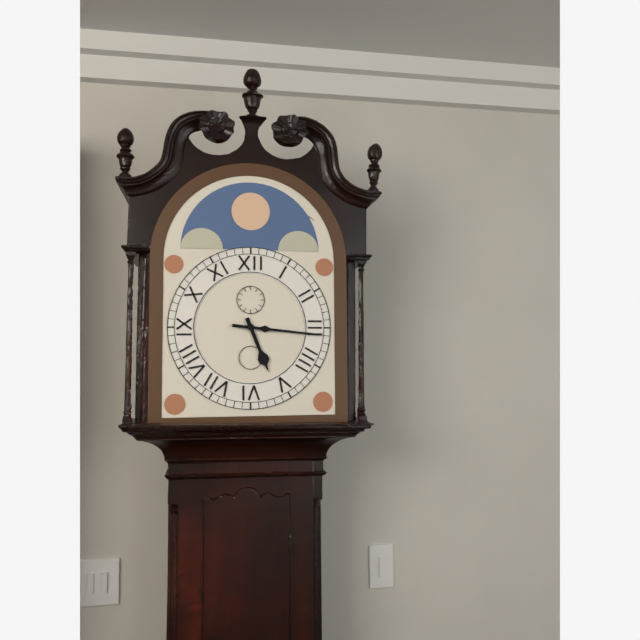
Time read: 5:16
